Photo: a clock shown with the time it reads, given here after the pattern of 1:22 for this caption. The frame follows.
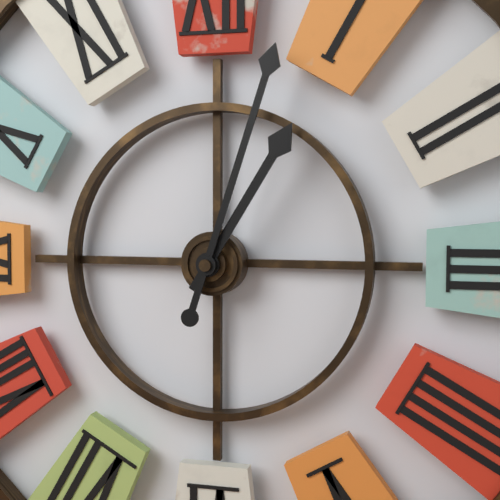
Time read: 1:03
